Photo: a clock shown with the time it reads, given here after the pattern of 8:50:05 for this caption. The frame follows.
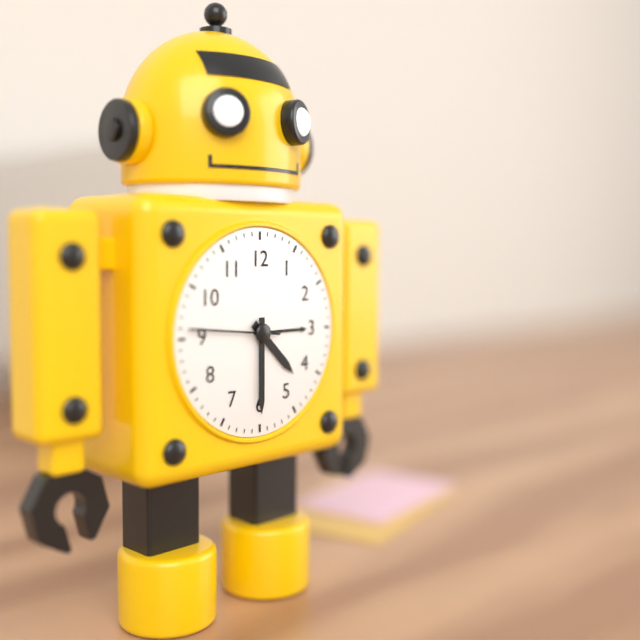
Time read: 4:30:46
